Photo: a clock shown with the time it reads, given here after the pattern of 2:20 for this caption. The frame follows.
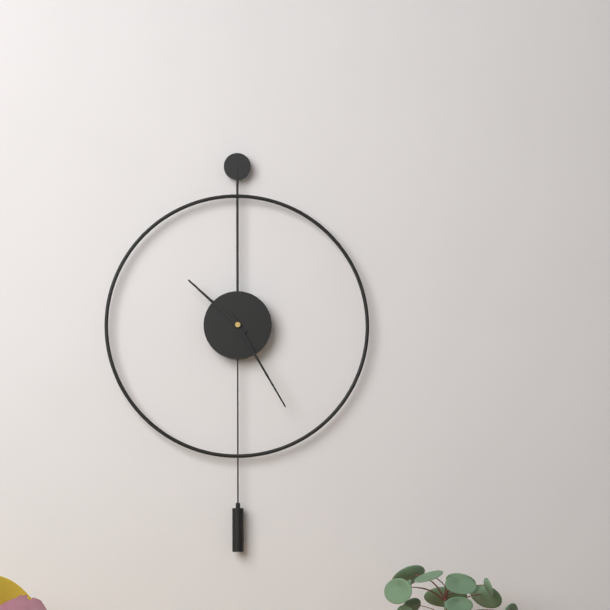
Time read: 10:25
